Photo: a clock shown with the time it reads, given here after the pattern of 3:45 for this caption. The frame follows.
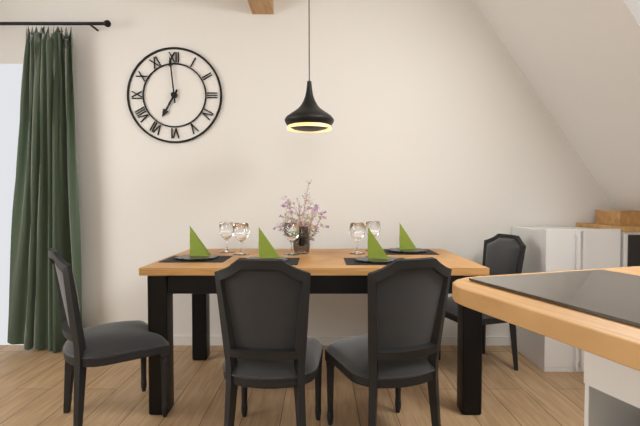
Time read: 6:59
